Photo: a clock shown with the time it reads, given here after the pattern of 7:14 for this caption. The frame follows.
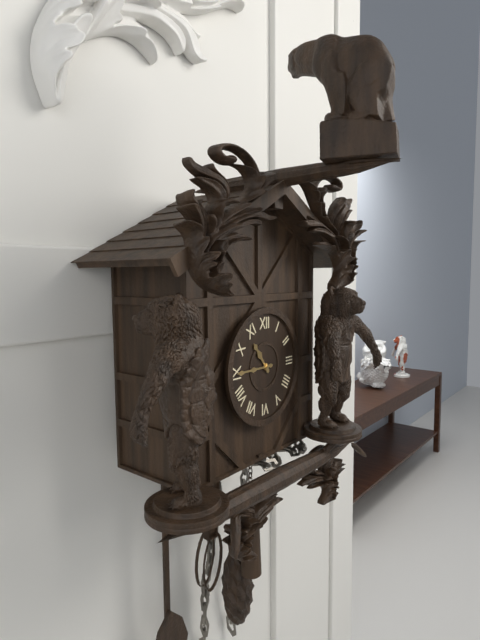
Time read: 10:45
